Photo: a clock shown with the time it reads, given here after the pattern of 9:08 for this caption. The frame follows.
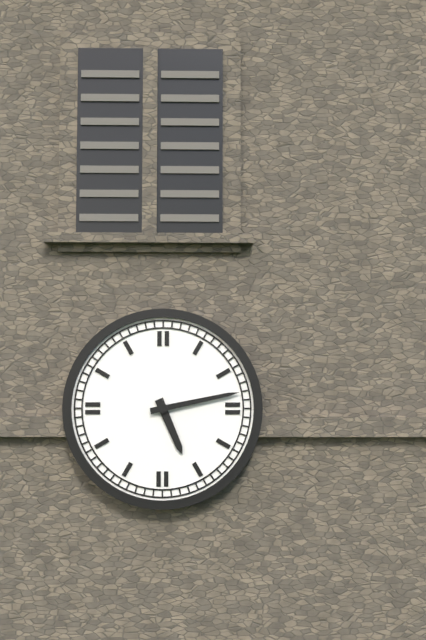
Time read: 5:13
